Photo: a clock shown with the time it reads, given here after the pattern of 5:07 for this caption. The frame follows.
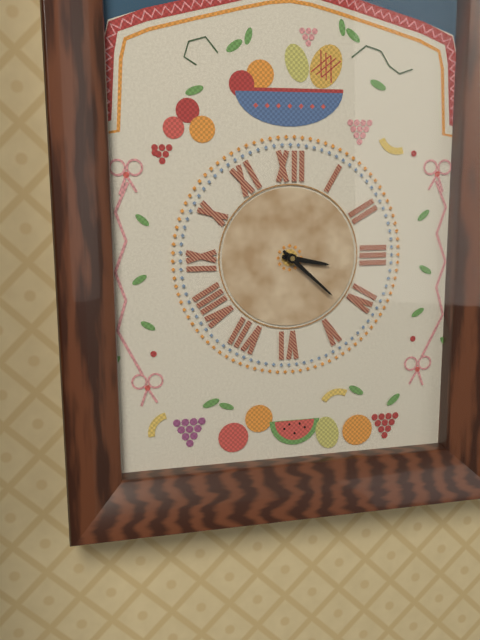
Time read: 3:22
